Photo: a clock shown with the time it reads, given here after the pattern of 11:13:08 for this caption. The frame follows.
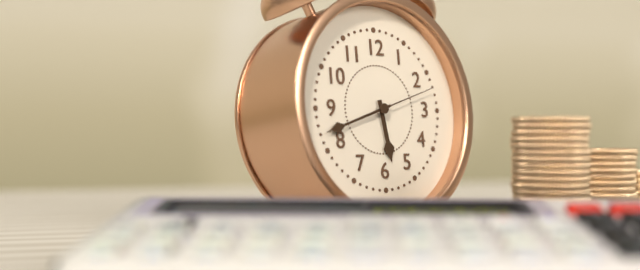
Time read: 5:42:12
